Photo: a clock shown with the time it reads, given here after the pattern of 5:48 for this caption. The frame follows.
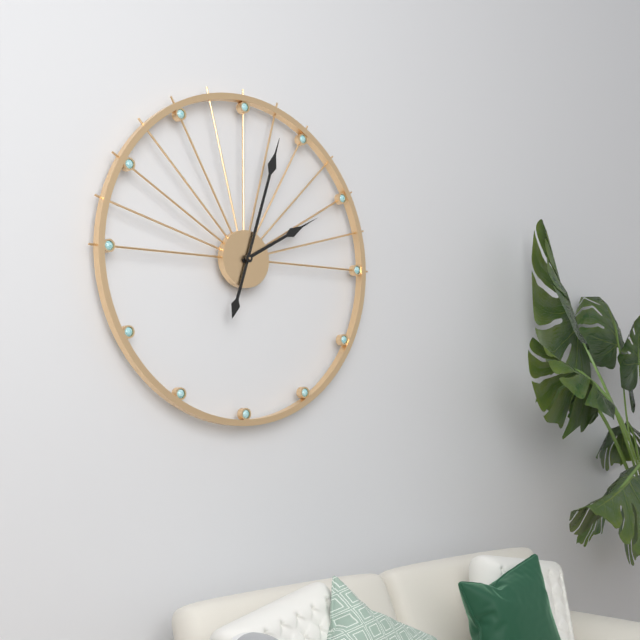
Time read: 2:03
